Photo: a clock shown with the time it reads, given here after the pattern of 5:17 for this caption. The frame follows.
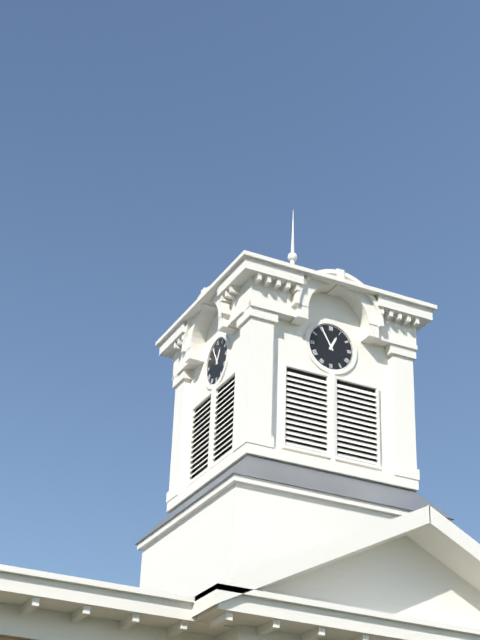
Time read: 12:55
